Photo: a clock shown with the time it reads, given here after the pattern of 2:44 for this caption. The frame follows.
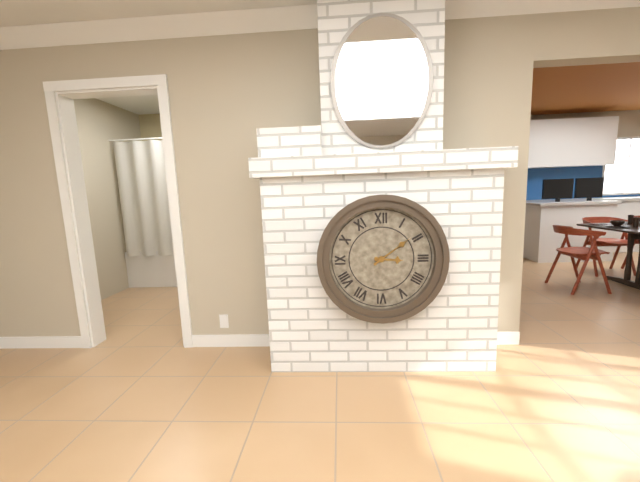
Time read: 3:09
